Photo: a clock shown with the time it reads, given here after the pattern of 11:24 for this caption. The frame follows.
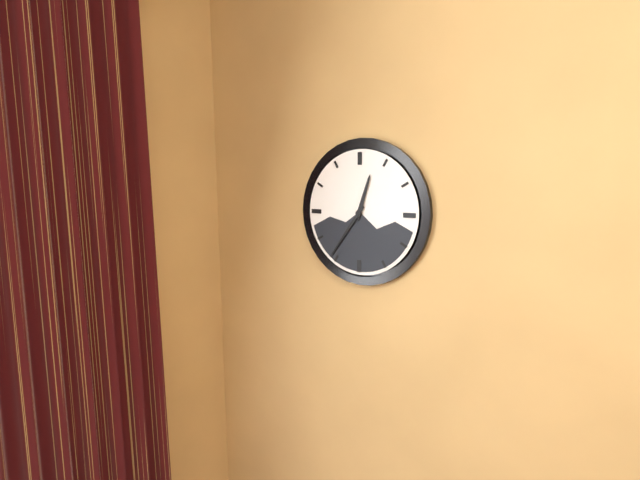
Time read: 12:36
